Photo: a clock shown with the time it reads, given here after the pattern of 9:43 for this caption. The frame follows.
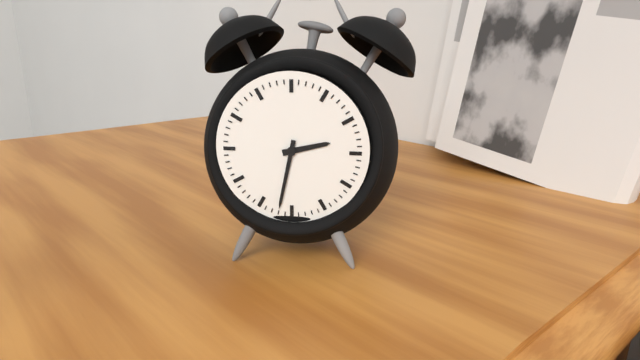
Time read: 2:32
